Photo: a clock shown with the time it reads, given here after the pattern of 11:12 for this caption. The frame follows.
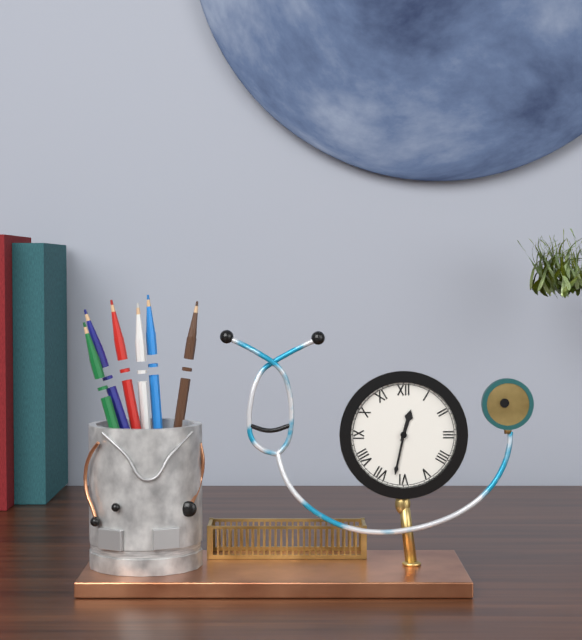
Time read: 12:32
